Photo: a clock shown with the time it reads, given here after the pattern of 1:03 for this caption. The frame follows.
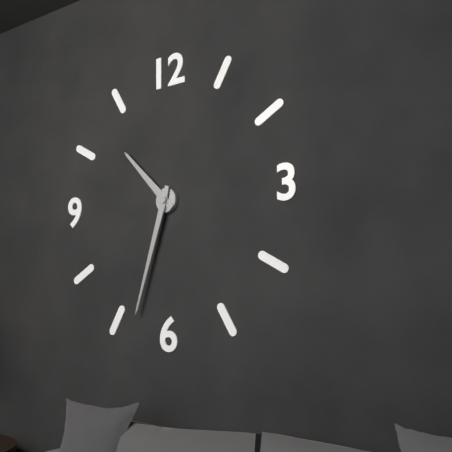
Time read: 10:33
